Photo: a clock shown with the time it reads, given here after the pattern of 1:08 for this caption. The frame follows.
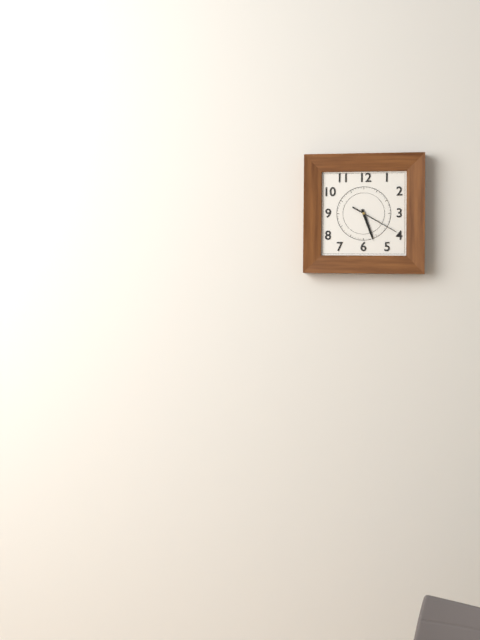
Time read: 5:20
